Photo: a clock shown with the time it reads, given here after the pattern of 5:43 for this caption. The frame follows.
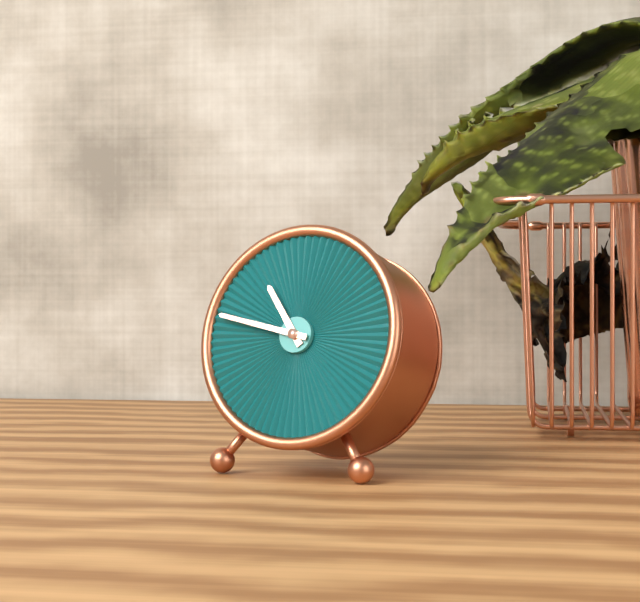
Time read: 10:47
